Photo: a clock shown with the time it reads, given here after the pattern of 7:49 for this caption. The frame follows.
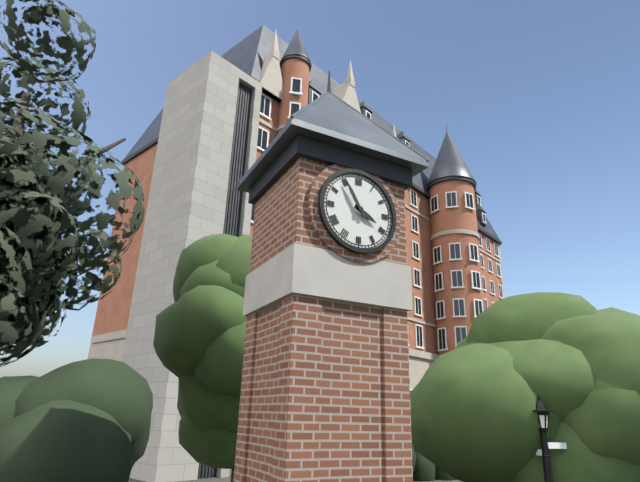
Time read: 3:55
